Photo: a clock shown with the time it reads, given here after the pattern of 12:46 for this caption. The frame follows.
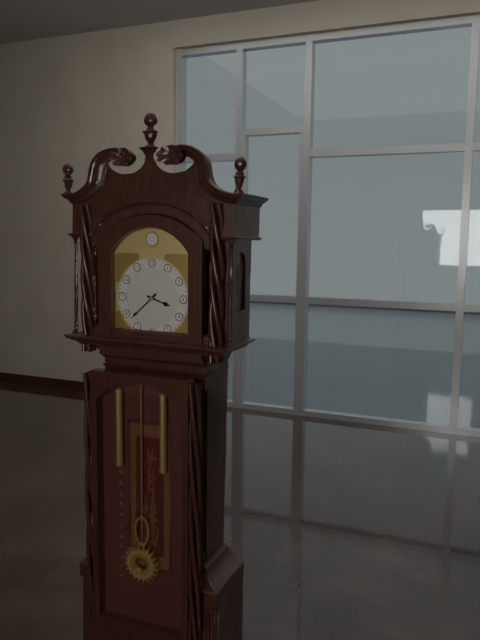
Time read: 3:38
